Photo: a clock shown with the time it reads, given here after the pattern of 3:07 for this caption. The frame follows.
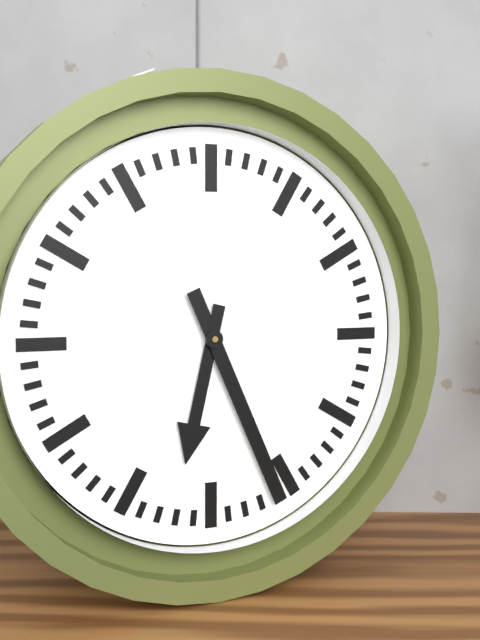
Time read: 6:26
